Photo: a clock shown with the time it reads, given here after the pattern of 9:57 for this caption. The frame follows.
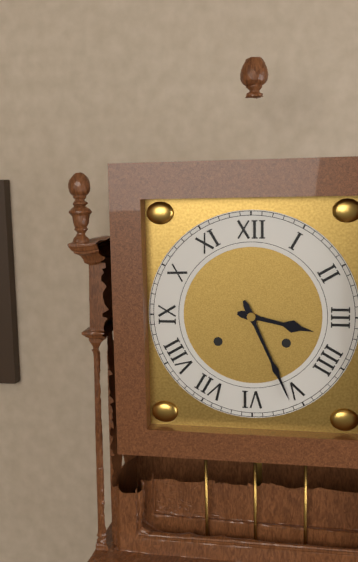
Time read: 3:26
